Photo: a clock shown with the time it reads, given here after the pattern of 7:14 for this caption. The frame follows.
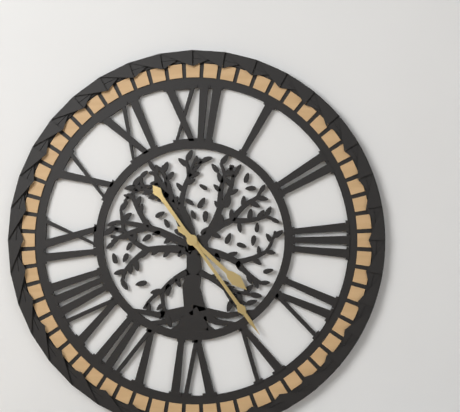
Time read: 4:24
